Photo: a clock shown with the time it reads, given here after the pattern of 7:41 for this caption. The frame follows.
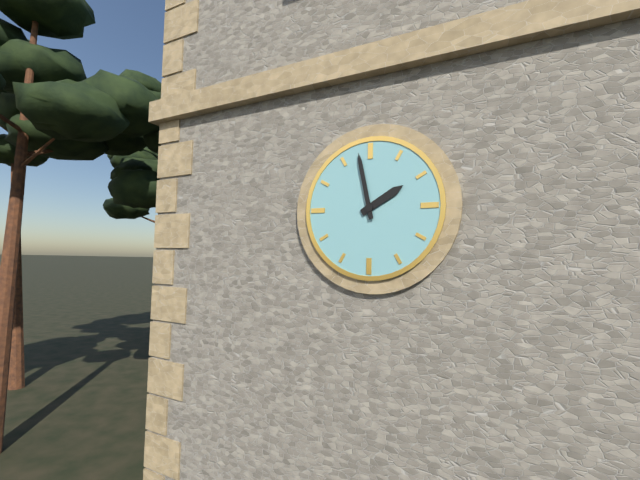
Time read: 1:58
